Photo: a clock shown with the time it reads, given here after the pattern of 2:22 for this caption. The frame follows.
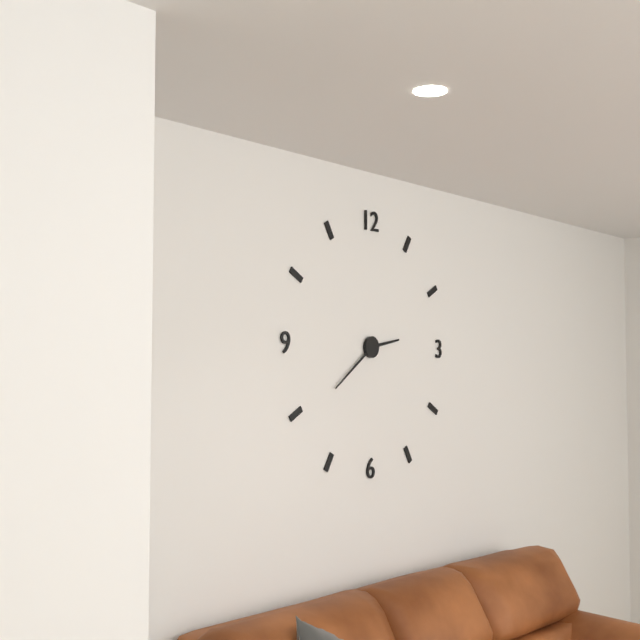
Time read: 2:39
